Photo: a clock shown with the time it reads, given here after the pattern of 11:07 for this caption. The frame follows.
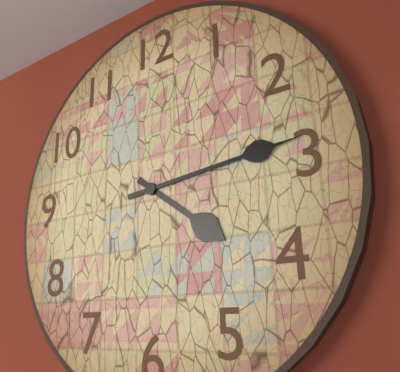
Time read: 4:14
